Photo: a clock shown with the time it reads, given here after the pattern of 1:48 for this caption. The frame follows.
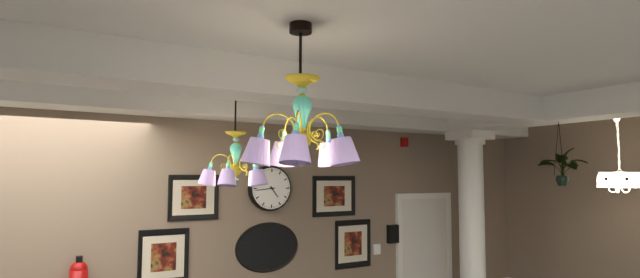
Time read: 4:44
